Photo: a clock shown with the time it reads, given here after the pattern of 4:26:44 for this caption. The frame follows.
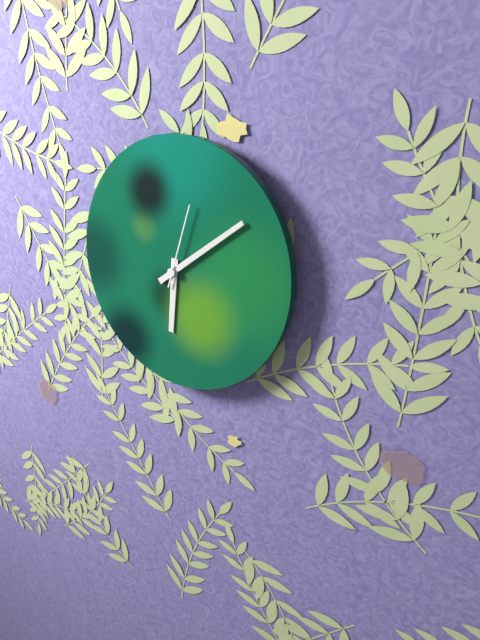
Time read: 6:09:03
